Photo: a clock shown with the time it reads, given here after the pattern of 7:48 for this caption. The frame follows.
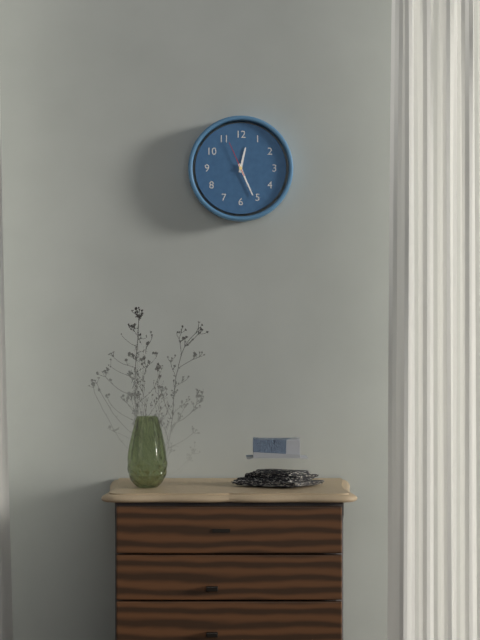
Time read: 12:26
